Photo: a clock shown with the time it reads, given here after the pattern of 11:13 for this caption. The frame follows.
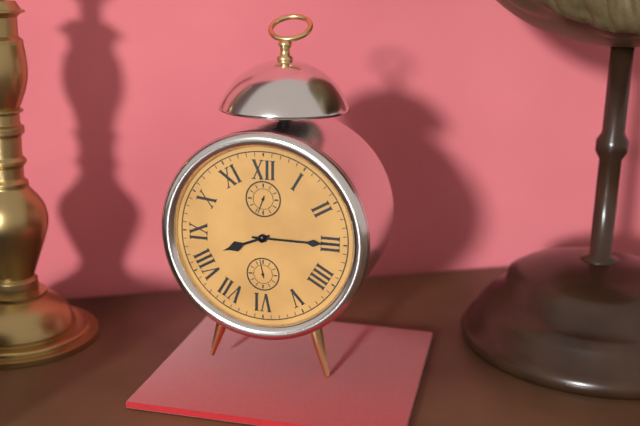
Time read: 8:15
